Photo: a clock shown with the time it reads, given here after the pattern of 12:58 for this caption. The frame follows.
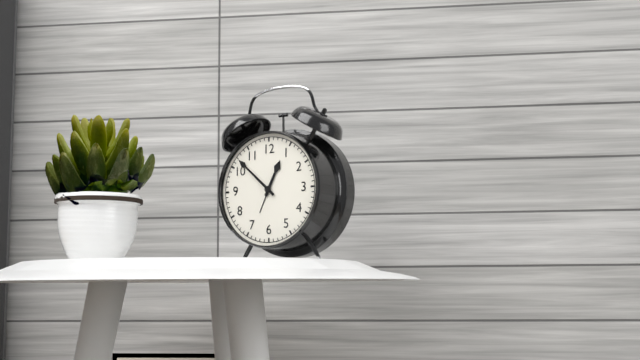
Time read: 12:52
